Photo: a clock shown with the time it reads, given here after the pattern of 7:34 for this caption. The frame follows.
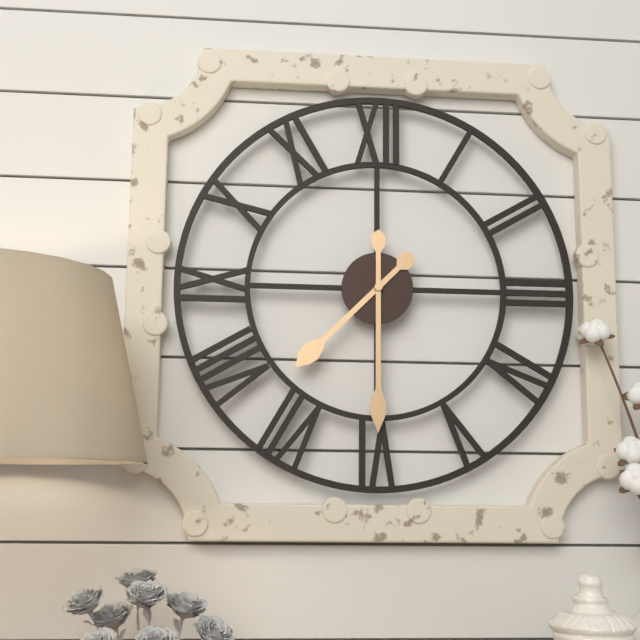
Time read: 7:30
